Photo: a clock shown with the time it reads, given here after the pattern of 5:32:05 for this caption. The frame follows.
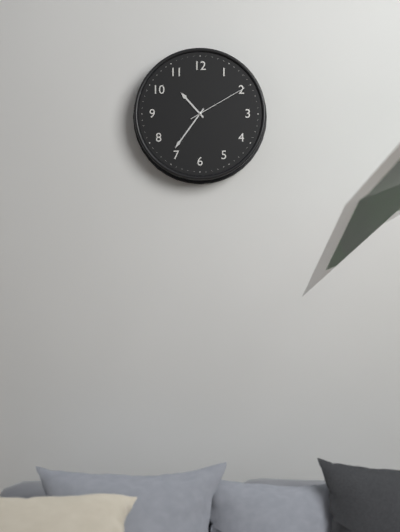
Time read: 10:36:10
